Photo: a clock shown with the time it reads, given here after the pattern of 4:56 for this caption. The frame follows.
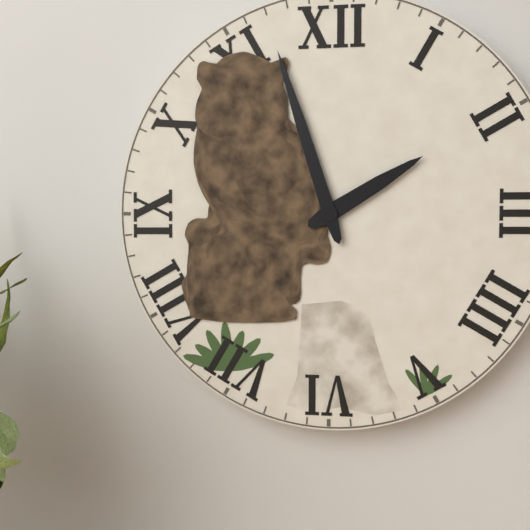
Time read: 1:57
